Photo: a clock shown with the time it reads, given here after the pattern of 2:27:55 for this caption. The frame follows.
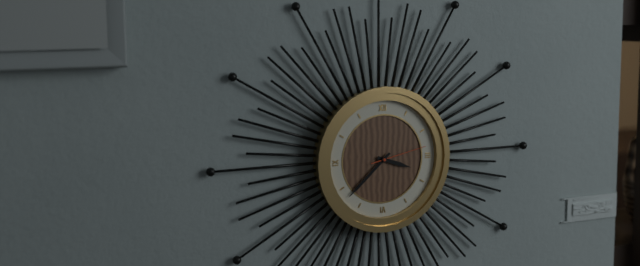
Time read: 3:38:13
